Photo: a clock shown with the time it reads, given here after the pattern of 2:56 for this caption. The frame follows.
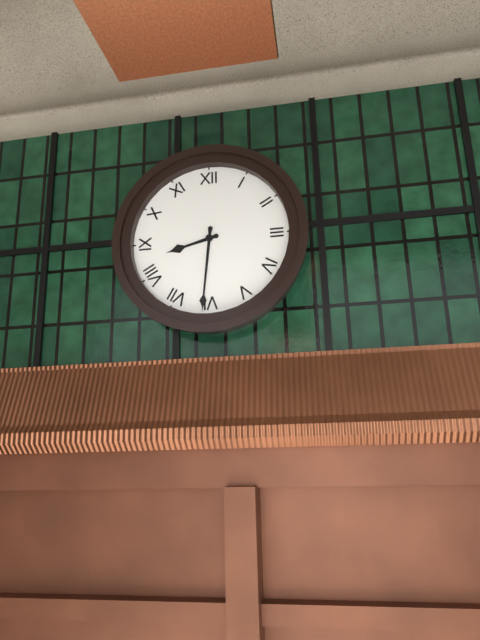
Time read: 8:31
